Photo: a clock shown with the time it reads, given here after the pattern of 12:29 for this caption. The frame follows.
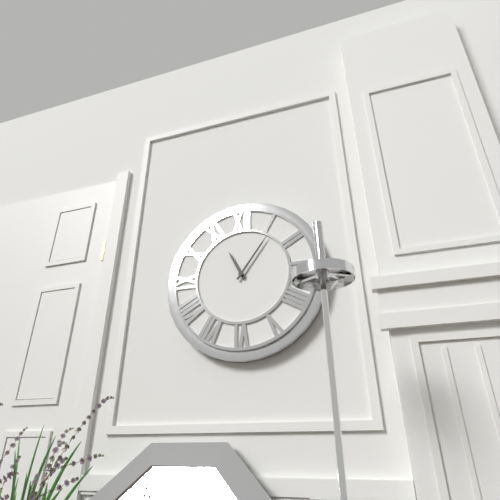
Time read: 11:06
